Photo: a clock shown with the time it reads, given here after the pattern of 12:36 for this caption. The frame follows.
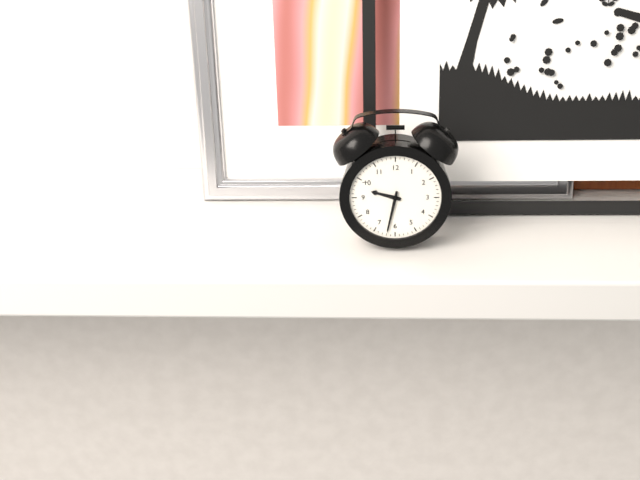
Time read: 9:32
